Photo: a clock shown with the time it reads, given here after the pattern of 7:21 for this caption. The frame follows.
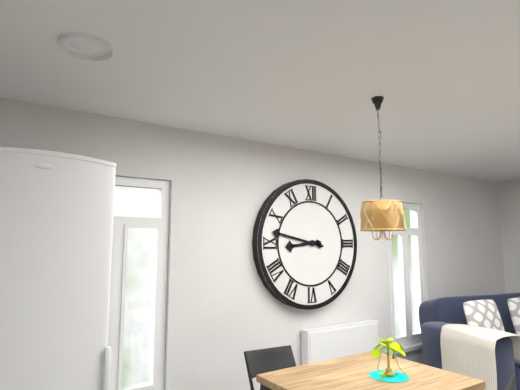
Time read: 8:47
